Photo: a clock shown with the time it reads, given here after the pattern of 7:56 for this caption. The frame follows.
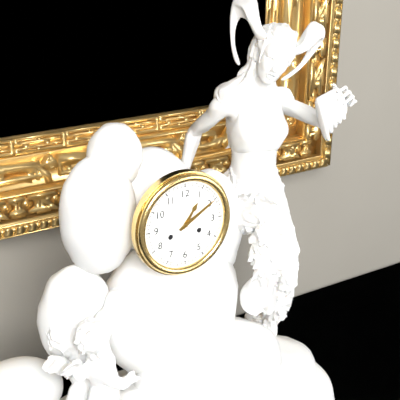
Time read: 1:10
